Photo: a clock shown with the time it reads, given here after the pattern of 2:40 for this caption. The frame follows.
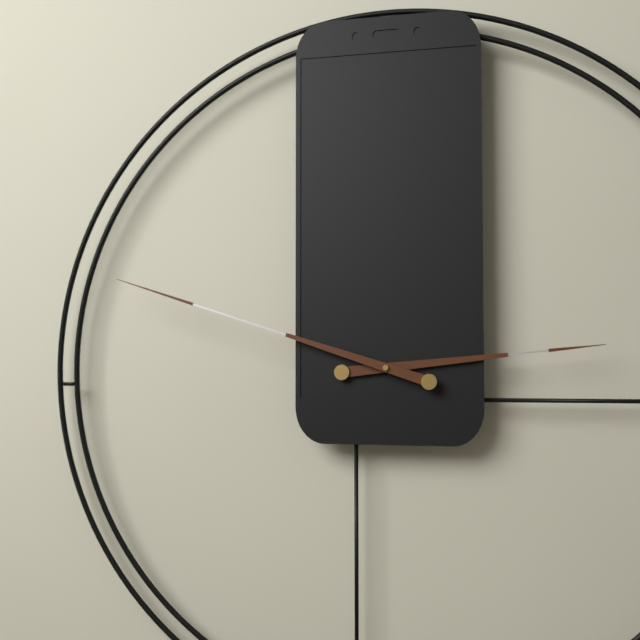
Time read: 2:48
